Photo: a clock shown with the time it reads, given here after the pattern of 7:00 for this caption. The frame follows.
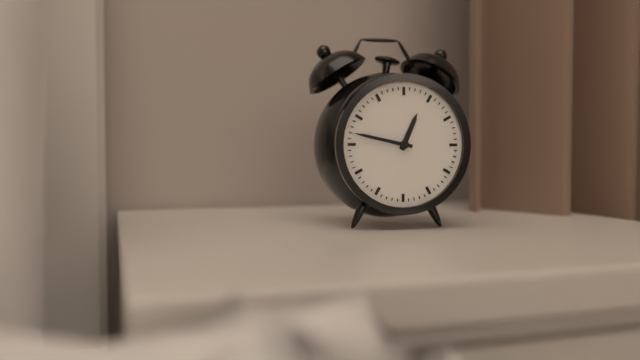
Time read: 12:47
